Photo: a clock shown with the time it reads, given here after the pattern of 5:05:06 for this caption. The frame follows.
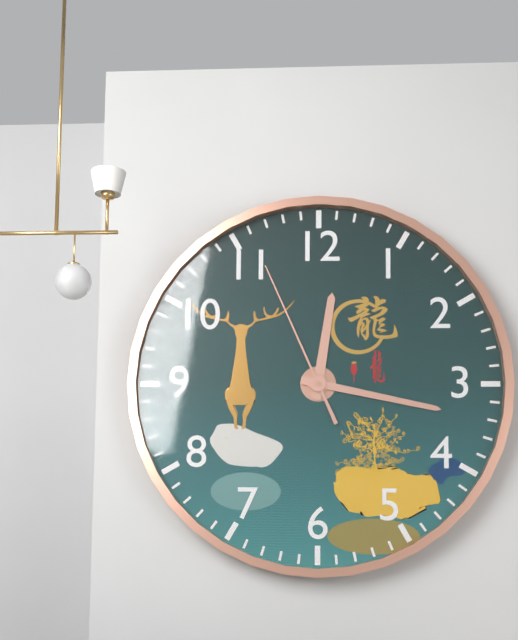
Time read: 12:17:56
